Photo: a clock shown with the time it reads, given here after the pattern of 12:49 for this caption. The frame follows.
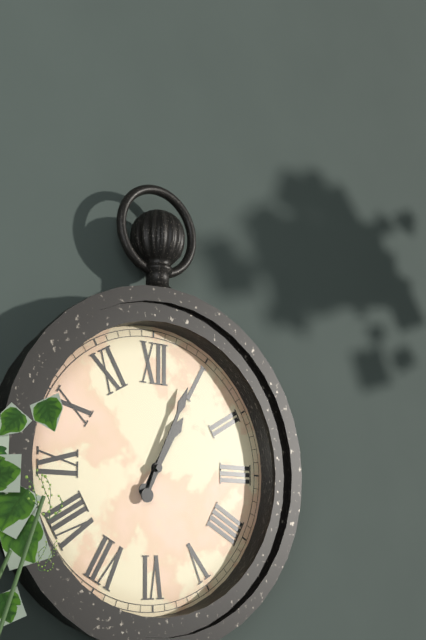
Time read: 1:04
